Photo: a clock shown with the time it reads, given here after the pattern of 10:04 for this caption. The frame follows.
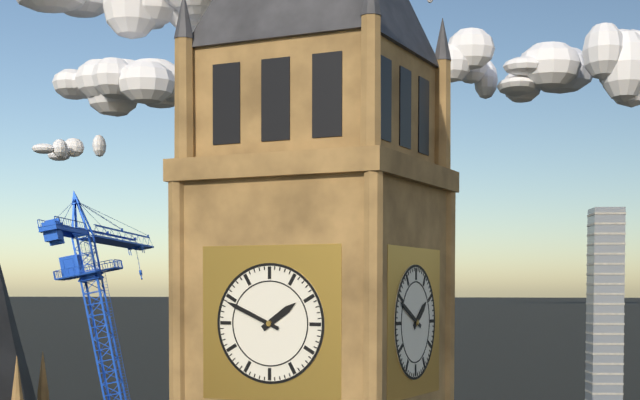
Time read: 1:49
